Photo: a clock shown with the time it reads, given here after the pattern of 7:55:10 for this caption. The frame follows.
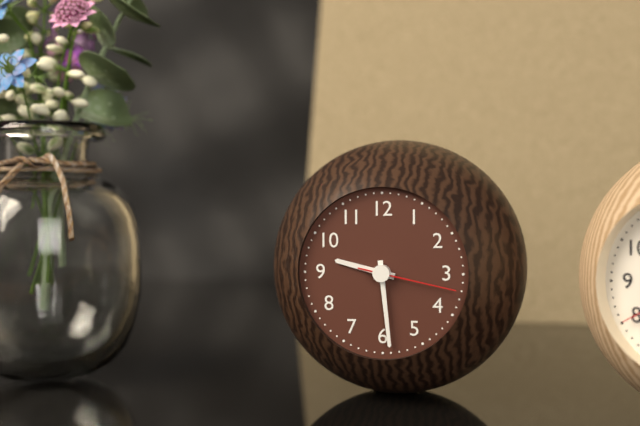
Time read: 9:29:17
